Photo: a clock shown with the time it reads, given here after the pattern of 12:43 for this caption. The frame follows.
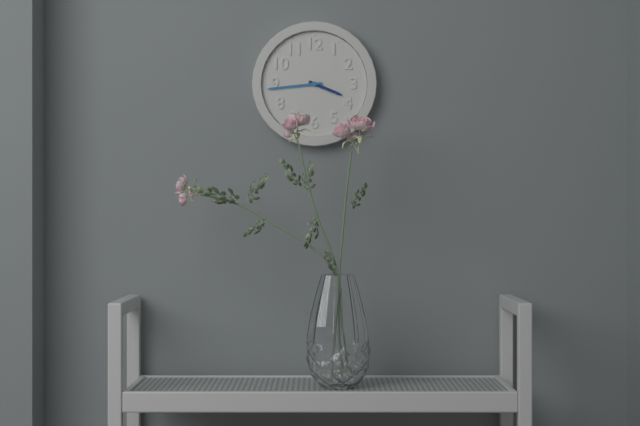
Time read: 3:44
